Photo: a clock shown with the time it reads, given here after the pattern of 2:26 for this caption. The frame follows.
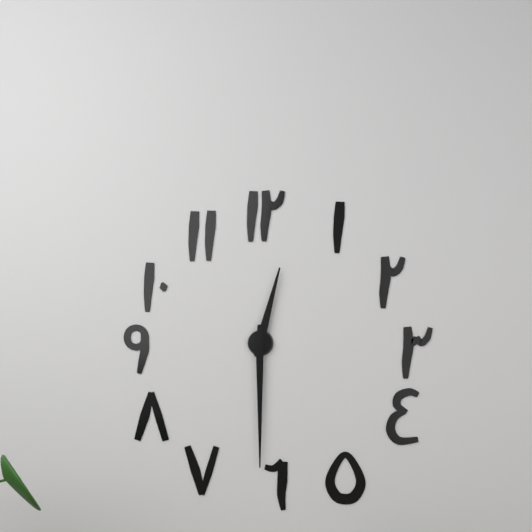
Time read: 12:30
